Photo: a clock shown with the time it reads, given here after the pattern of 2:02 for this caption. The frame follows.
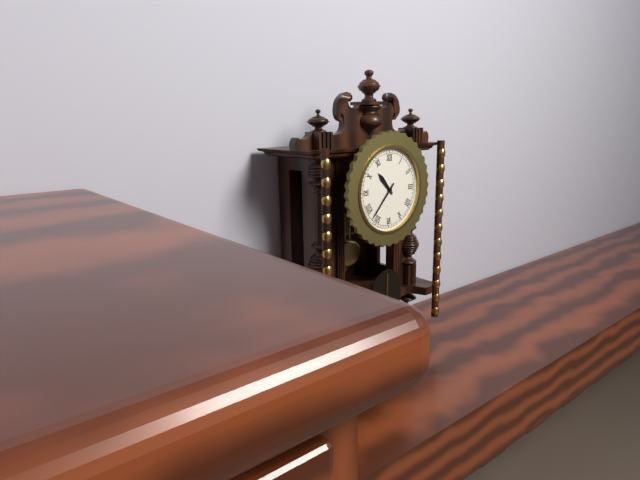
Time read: 10:37
